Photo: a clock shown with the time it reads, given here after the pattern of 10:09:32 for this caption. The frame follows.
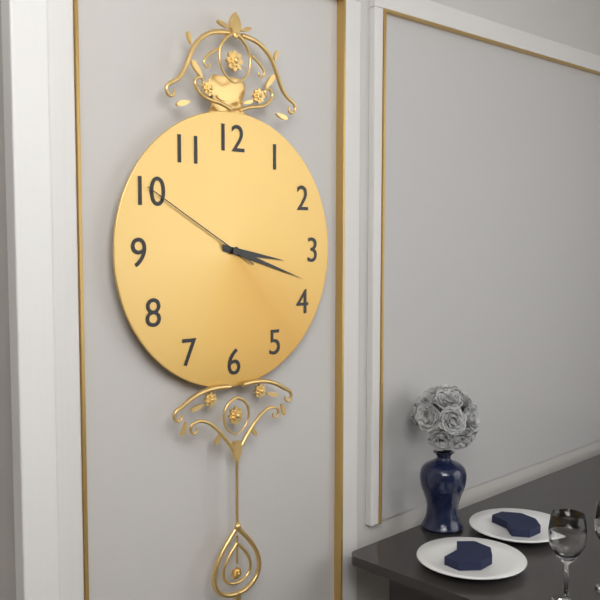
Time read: 3:18:50
